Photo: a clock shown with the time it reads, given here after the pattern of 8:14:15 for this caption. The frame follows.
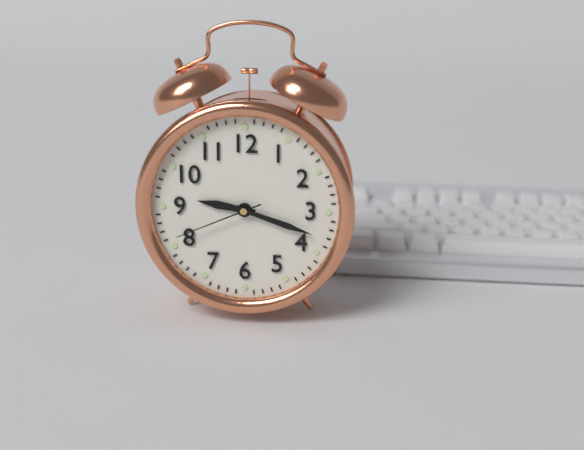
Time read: 9:18:41
